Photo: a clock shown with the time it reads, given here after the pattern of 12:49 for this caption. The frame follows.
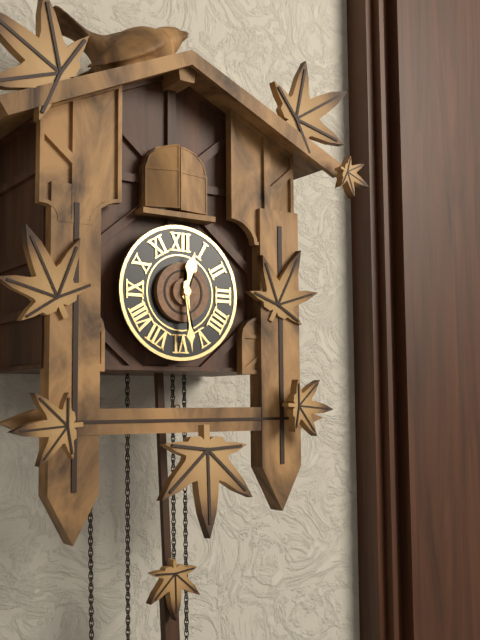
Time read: 12:29
